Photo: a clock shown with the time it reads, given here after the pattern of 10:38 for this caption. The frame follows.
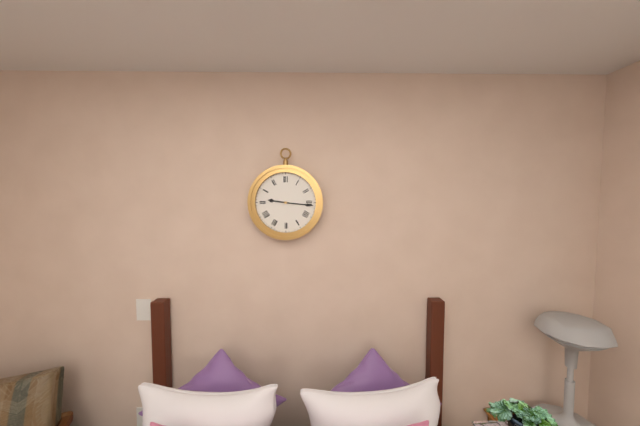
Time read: 9:16
